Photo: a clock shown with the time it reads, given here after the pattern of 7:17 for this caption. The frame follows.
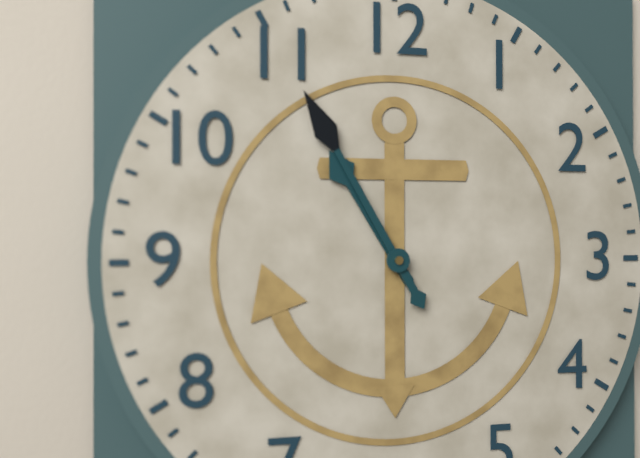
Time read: 10:55
